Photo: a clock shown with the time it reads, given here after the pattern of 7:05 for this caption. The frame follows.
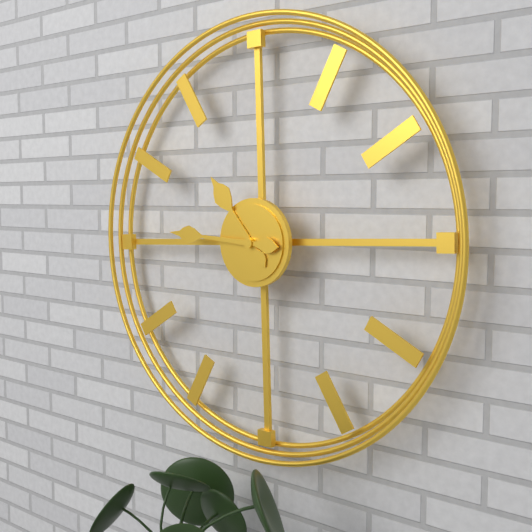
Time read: 10:46
